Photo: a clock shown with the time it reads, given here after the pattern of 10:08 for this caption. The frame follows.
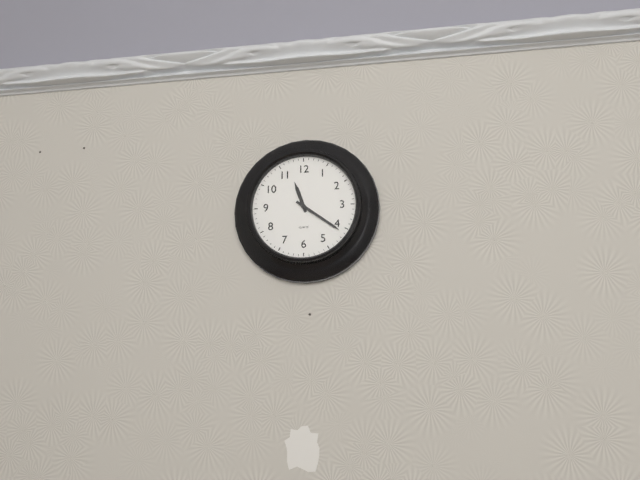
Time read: 11:21
